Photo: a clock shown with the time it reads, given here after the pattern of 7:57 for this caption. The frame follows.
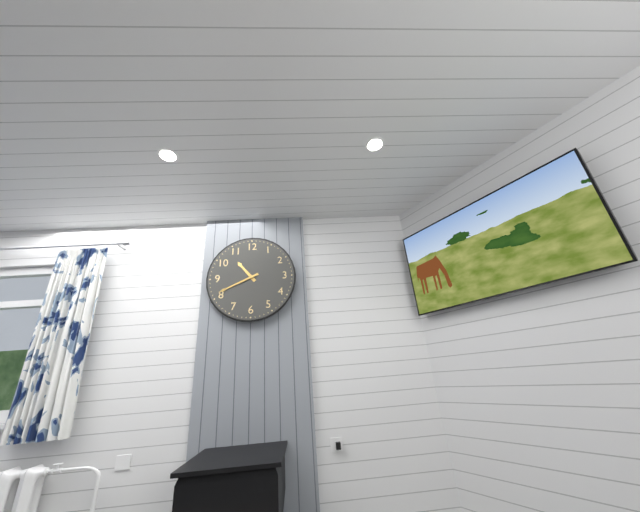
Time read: 10:41
